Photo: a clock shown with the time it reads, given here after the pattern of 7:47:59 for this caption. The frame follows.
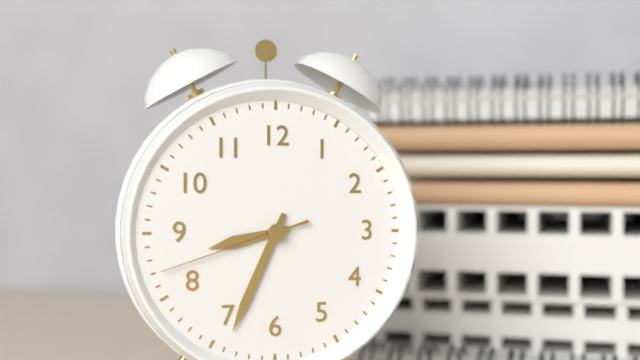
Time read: 8:34:42
